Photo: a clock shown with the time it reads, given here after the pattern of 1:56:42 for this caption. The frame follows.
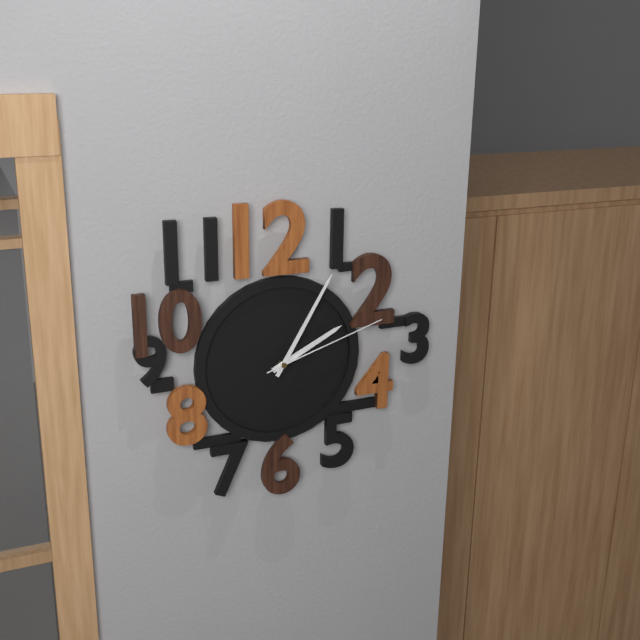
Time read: 2:05:12
